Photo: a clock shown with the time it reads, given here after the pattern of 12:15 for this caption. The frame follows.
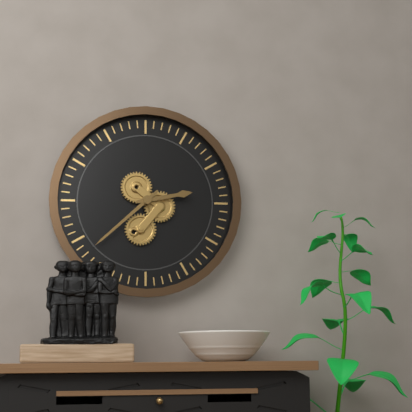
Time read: 2:38
